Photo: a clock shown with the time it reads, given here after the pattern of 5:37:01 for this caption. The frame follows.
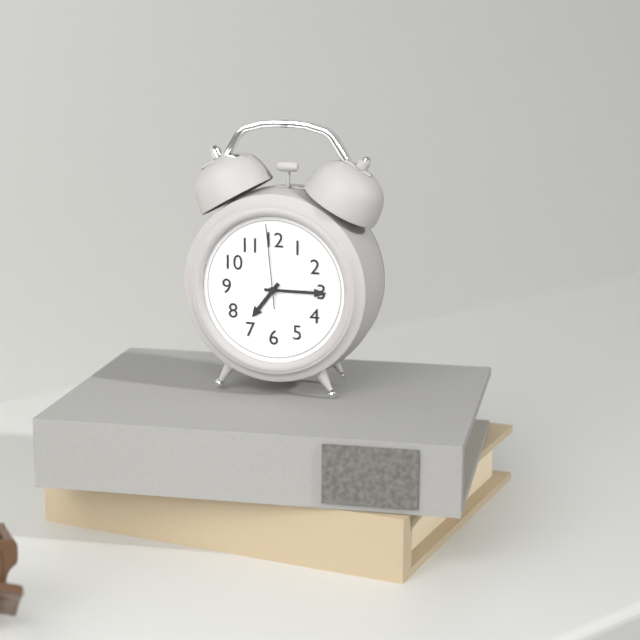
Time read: 7:15:59
